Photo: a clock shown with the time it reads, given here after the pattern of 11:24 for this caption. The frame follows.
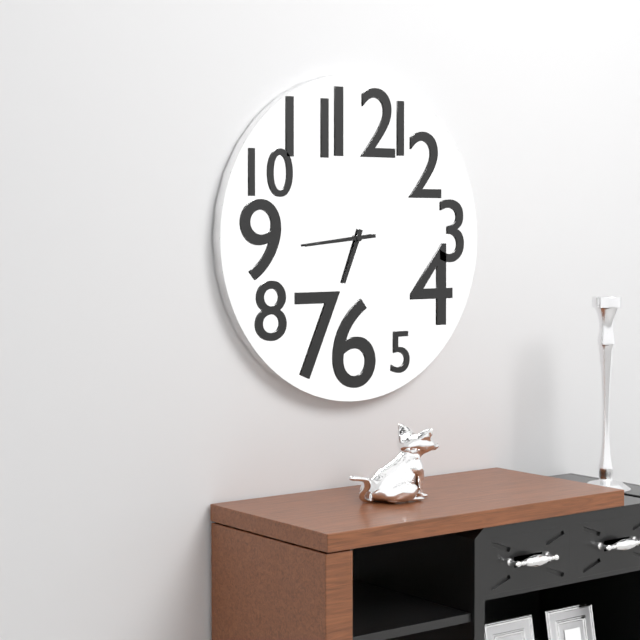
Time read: 6:44
